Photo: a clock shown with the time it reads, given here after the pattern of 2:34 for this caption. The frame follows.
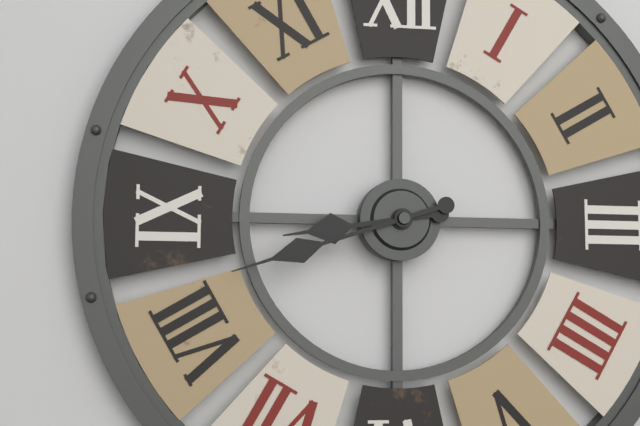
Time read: 8:42
